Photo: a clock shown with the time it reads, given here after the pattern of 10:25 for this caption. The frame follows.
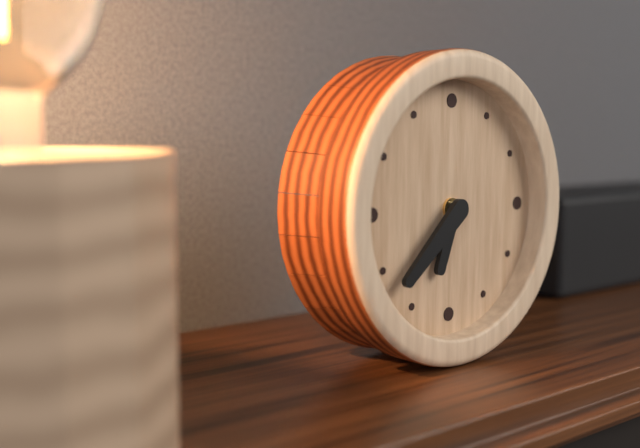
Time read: 6:38
